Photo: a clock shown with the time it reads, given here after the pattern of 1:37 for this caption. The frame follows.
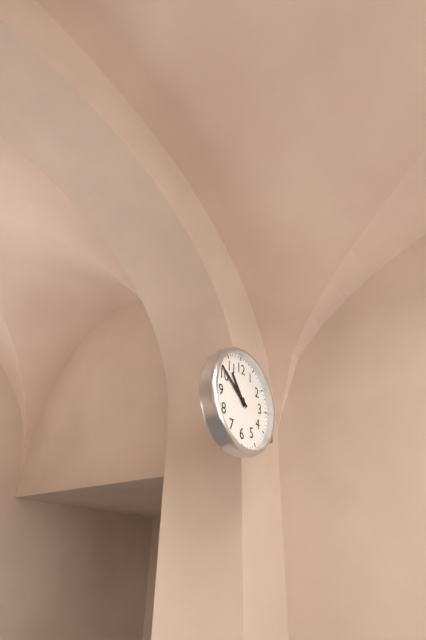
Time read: 10:51
